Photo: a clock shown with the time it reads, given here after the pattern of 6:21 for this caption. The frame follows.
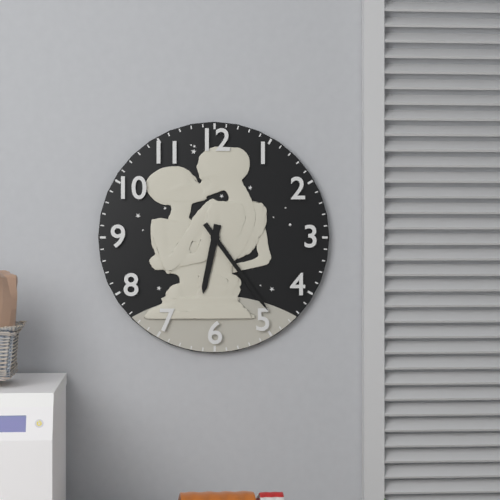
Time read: 6:24
